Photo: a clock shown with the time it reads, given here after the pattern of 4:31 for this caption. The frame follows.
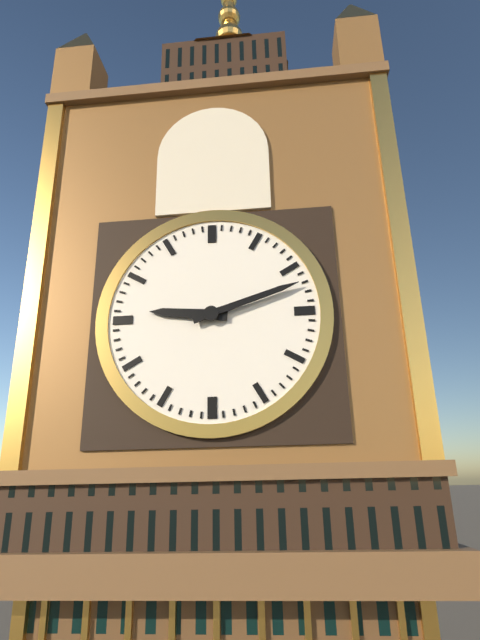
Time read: 9:12
